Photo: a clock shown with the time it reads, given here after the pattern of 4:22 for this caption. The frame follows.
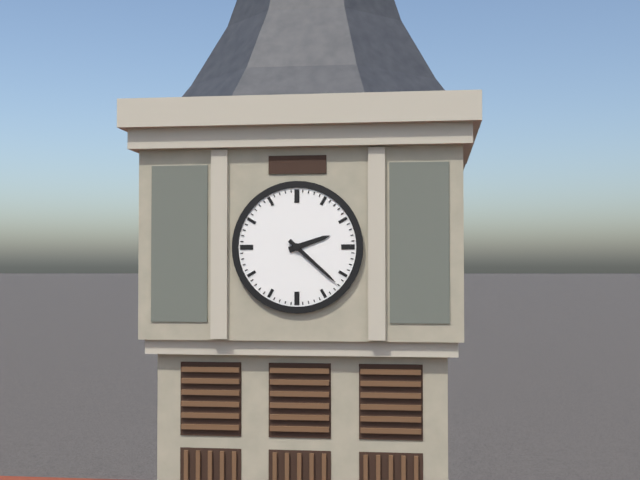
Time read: 2:22
